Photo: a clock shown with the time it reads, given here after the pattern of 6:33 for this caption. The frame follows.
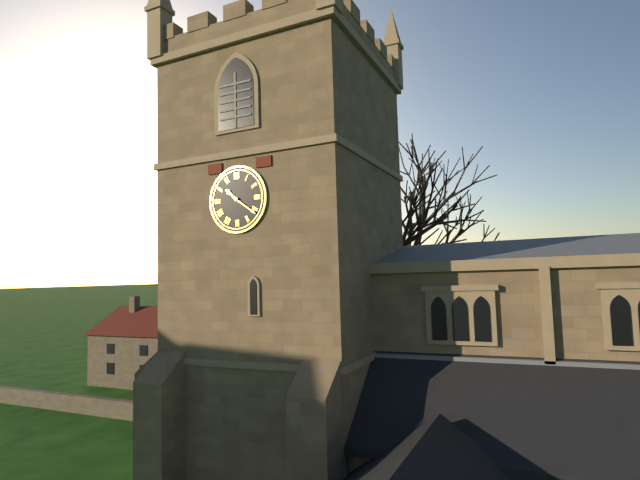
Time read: 10:21
